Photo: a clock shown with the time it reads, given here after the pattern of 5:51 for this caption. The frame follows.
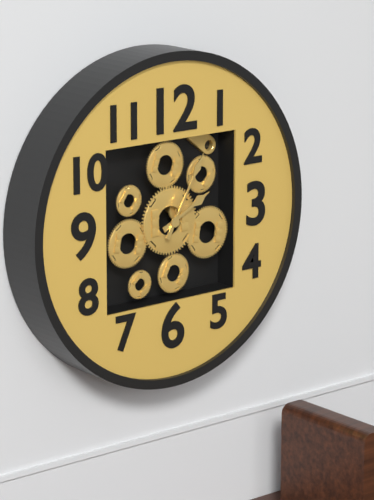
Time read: 2:05
